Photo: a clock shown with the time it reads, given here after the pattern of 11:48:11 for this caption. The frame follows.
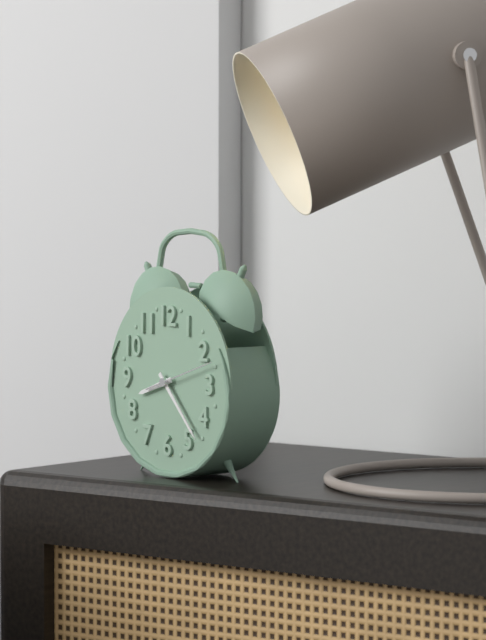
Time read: 8:23:12
